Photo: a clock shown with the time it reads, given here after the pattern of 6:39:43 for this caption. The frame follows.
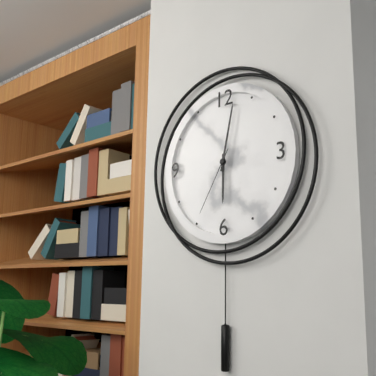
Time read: 6:02:35
